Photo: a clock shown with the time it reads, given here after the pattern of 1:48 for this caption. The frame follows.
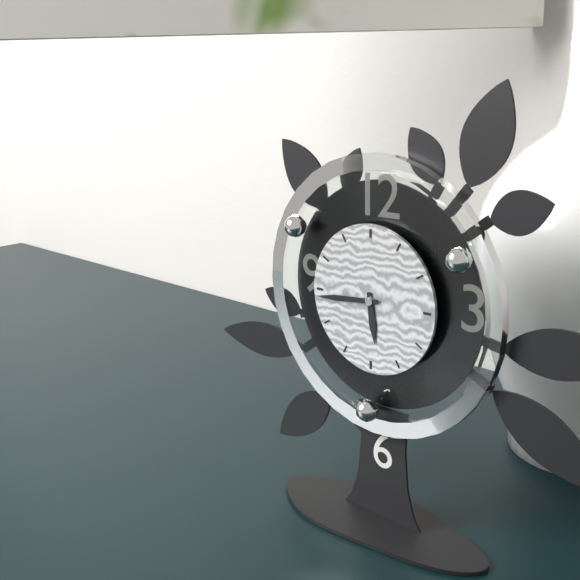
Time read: 5:44
